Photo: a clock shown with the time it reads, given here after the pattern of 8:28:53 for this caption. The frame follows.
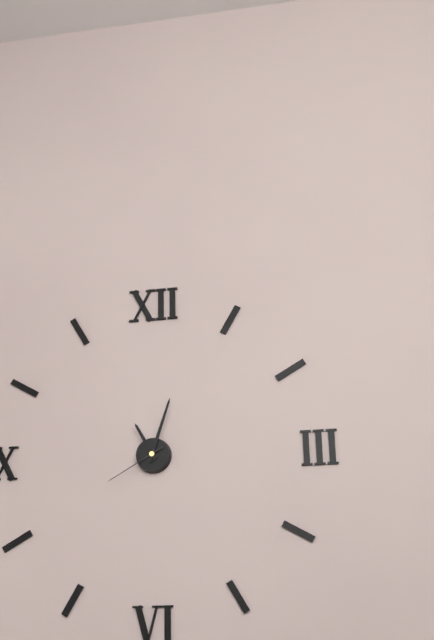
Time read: 11:03:40
